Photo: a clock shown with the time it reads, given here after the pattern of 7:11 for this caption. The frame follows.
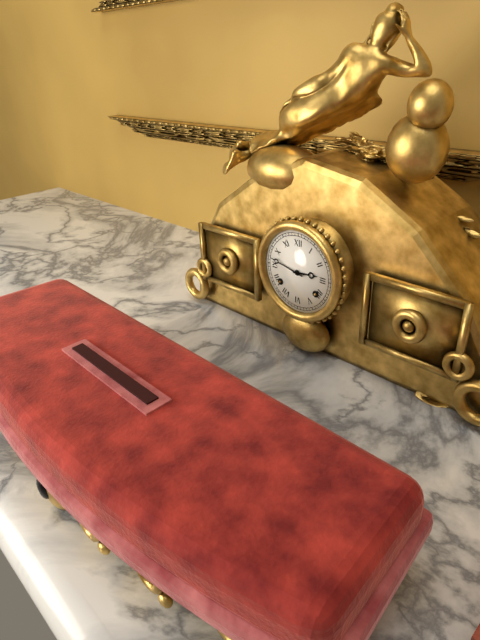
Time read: 2:47
